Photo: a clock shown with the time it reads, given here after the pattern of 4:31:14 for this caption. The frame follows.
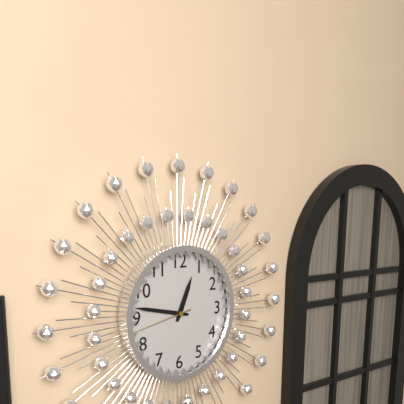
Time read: 12:47:43
